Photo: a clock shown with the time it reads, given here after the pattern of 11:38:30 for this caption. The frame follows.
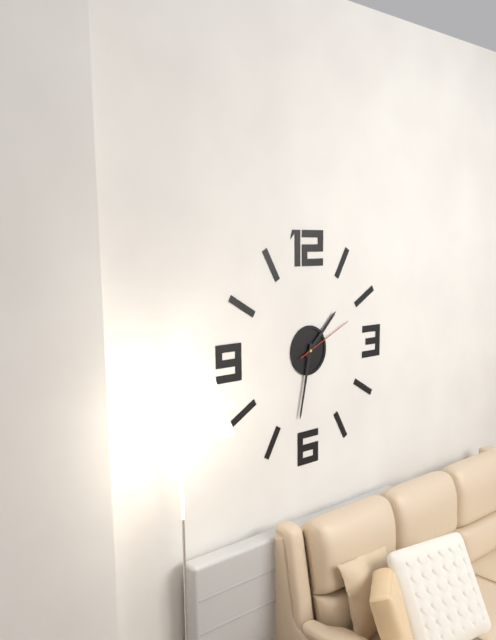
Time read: 1:32:11
